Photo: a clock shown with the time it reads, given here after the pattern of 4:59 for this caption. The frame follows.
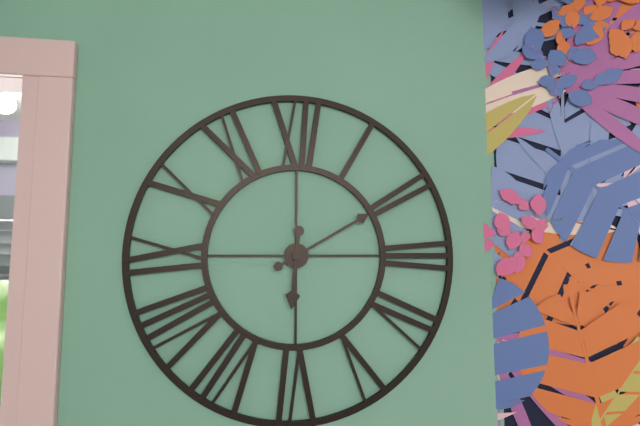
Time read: 6:10
